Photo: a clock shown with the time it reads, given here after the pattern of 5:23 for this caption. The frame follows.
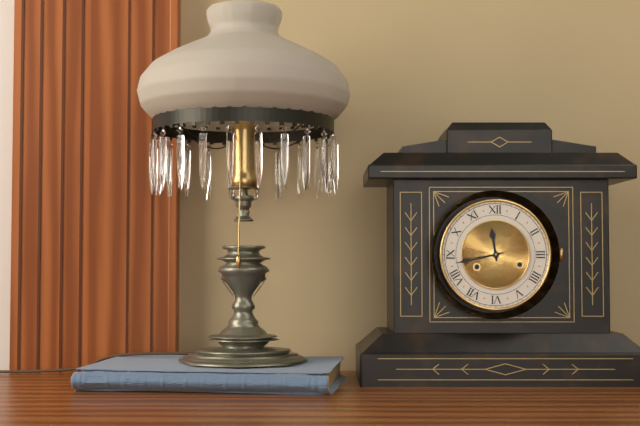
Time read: 11:43
